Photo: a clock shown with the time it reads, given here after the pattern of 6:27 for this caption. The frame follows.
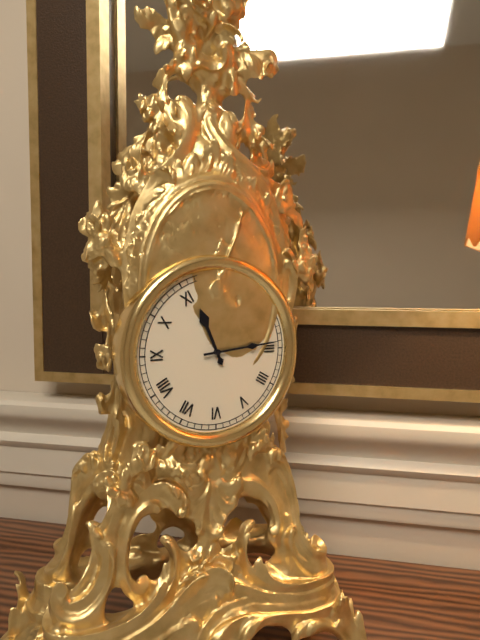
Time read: 11:14
